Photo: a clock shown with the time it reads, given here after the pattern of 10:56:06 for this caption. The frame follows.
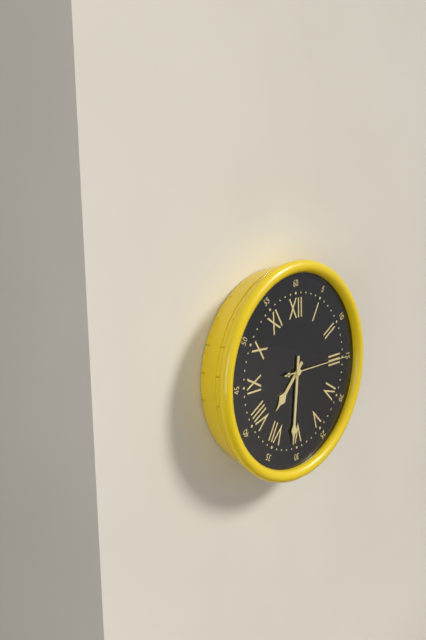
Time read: 7:31:15
